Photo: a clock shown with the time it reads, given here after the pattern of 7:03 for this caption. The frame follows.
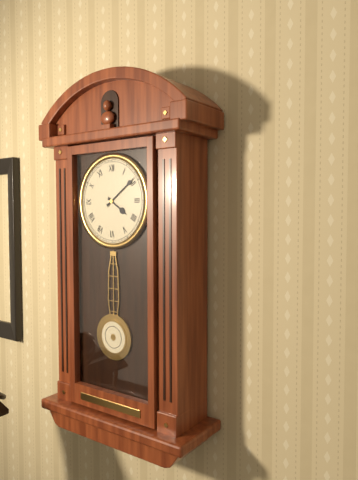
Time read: 4:09
